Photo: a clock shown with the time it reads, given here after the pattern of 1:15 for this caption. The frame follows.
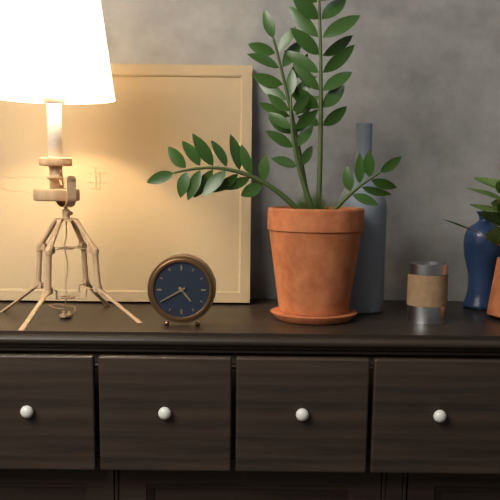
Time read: 4:40
